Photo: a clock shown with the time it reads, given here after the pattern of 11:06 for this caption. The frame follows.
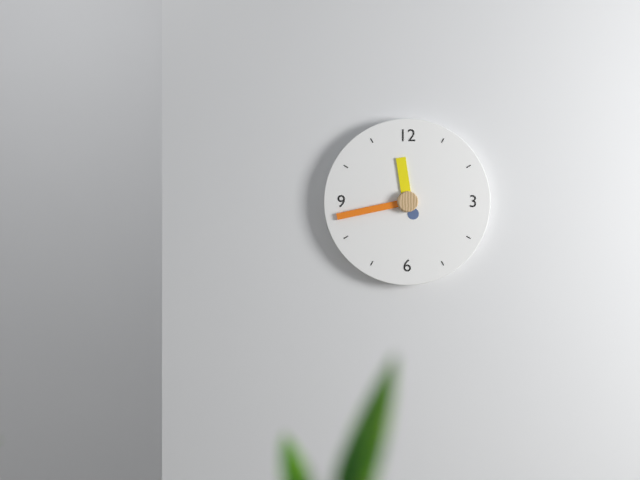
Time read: 11:43
